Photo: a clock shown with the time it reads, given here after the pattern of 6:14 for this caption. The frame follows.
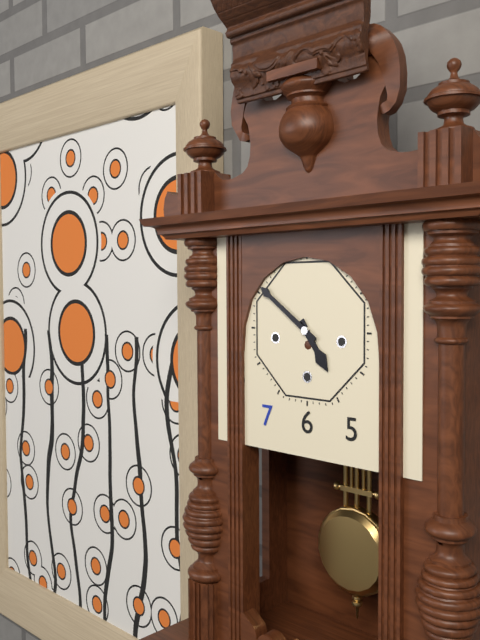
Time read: 4:51
